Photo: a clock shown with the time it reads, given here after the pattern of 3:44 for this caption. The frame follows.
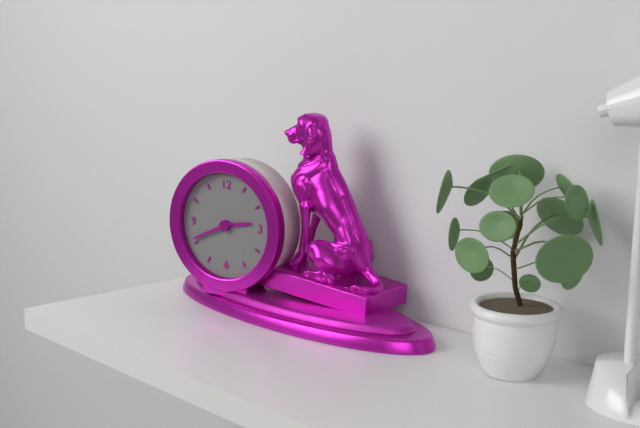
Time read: 2:41
